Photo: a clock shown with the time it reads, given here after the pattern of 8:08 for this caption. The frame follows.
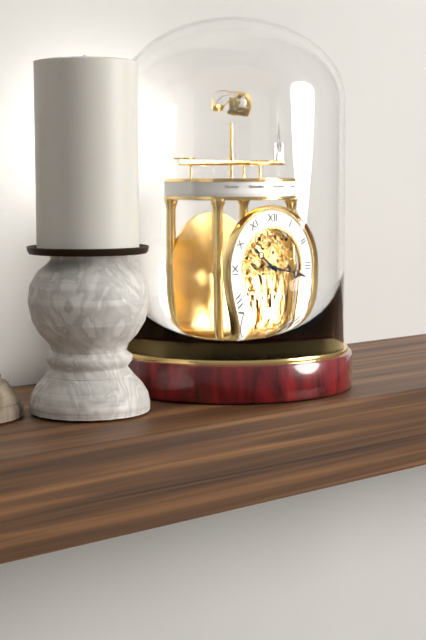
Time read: 10:17
